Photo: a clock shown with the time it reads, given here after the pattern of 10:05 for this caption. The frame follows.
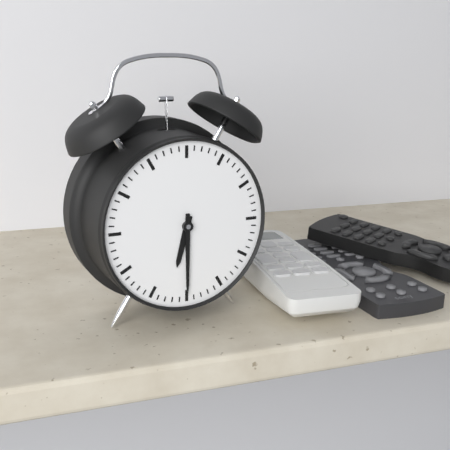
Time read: 6:30
